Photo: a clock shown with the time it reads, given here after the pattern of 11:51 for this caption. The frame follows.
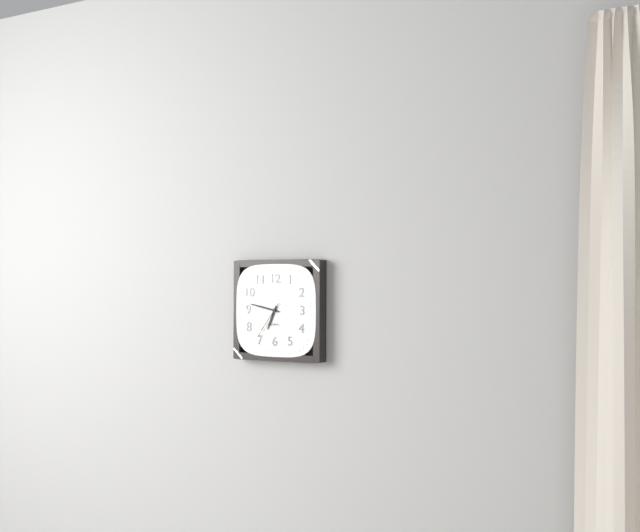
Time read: 6:47
